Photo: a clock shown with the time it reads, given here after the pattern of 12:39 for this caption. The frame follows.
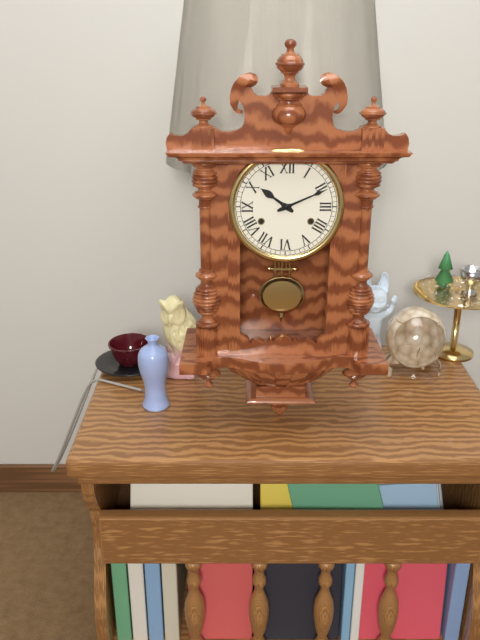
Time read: 10:11
